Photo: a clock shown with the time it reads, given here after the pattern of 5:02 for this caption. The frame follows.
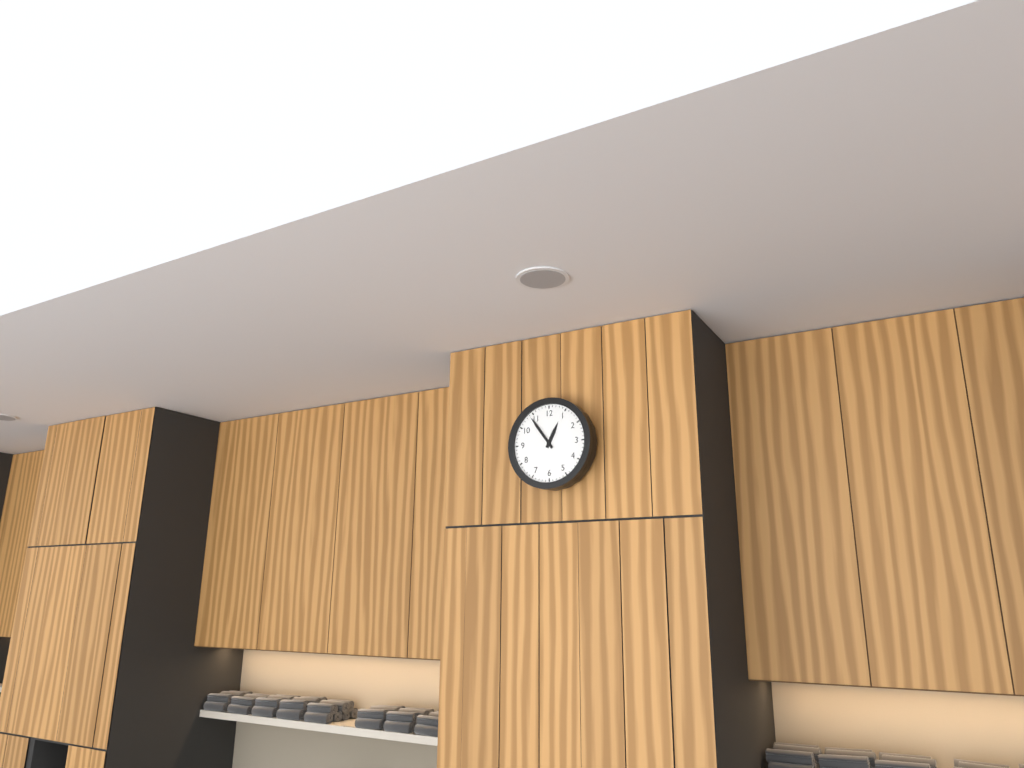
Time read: 12:54
